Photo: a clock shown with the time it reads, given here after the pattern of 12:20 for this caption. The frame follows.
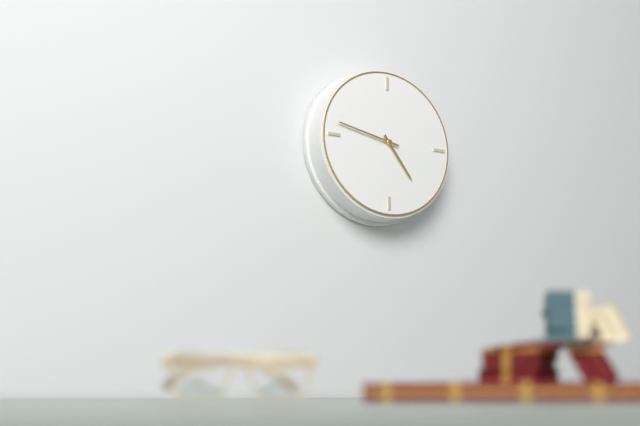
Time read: 4:47
